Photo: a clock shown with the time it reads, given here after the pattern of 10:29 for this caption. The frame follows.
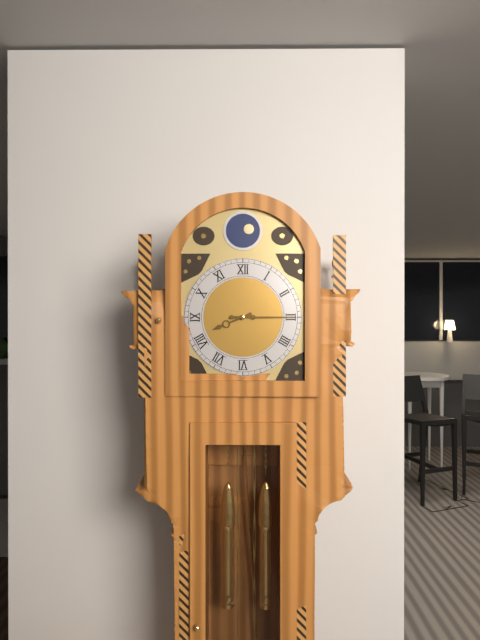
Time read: 8:15
